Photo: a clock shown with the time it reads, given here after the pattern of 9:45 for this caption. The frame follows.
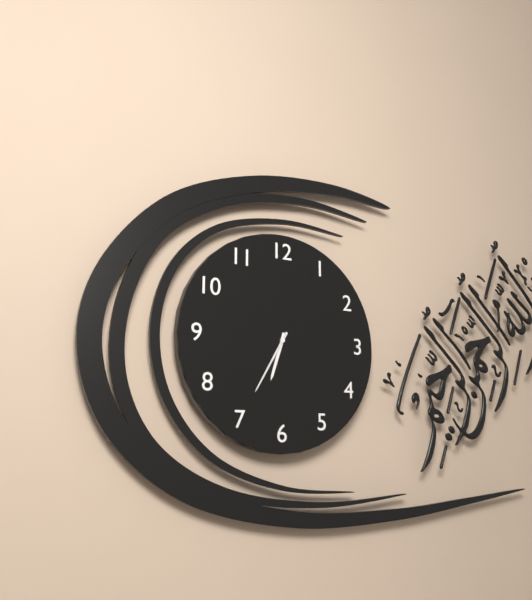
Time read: 6:35
